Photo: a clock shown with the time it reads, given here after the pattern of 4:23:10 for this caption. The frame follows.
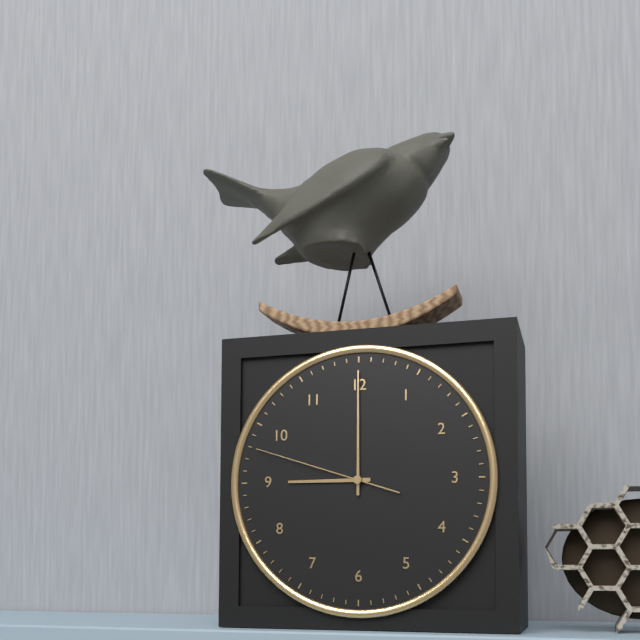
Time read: 9:00:48
